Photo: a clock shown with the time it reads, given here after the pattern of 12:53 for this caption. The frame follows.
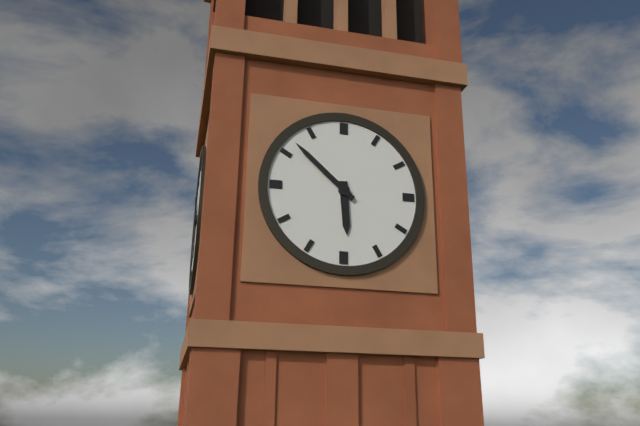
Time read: 5:52
